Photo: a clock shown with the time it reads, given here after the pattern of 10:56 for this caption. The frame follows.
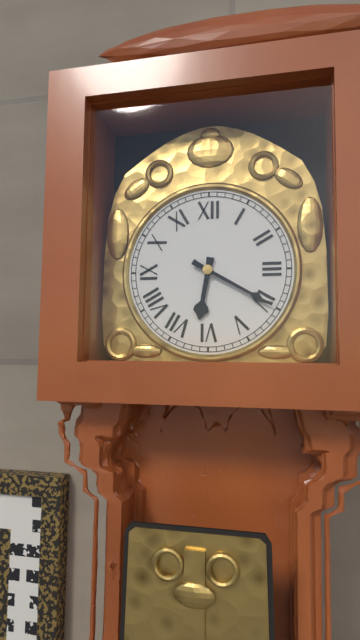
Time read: 6:20
